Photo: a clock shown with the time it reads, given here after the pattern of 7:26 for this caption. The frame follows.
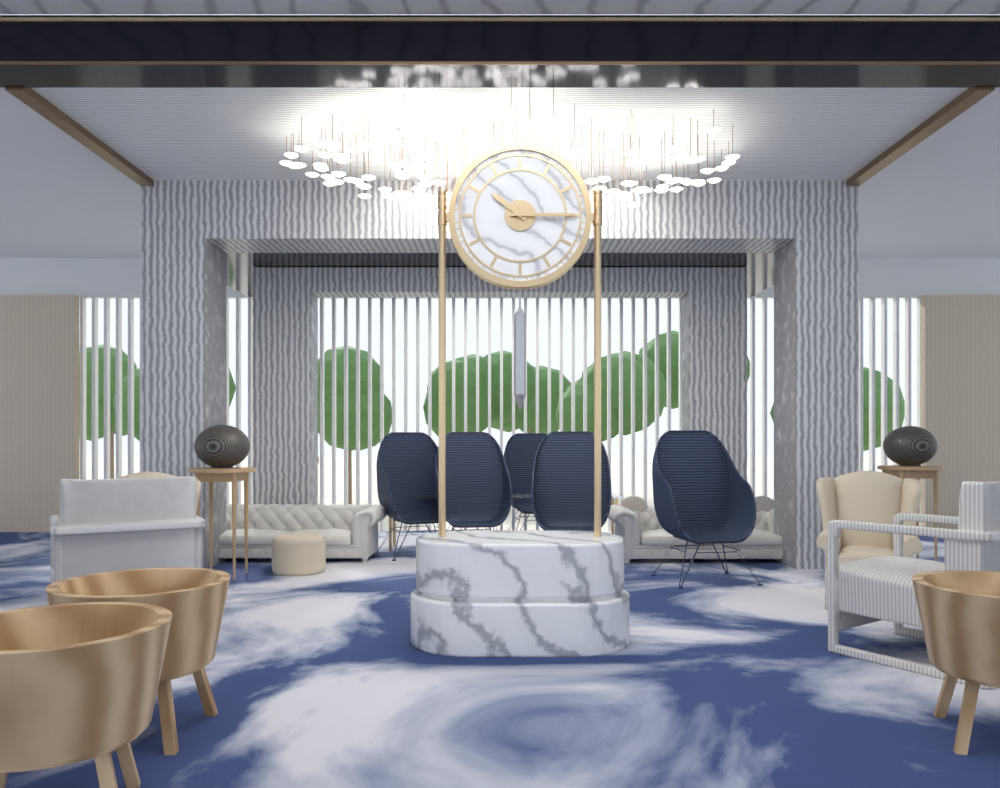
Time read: 10:15
